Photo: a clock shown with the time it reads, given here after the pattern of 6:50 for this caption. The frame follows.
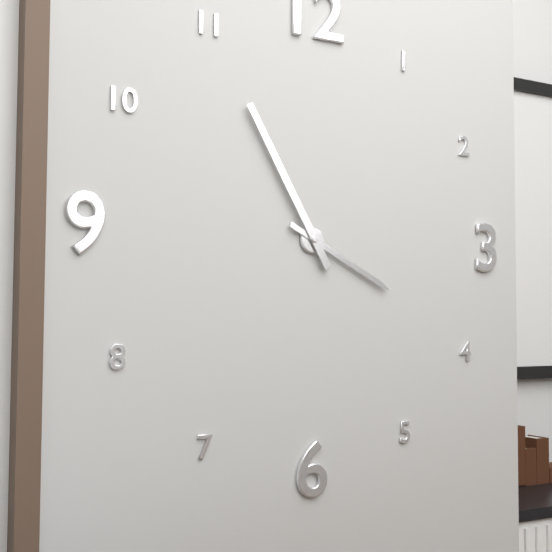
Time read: 3:55
